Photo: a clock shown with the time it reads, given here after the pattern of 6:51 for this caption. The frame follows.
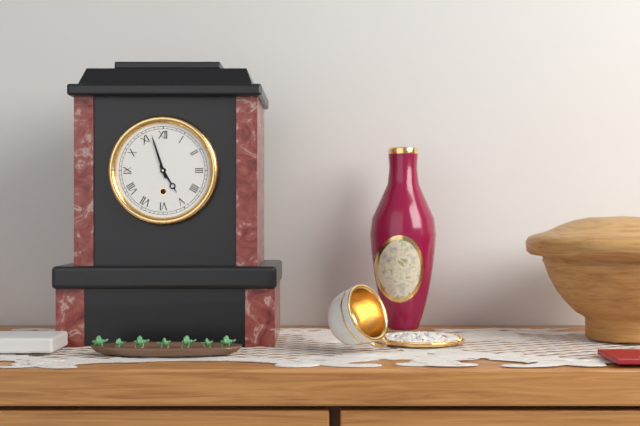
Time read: 4:57
